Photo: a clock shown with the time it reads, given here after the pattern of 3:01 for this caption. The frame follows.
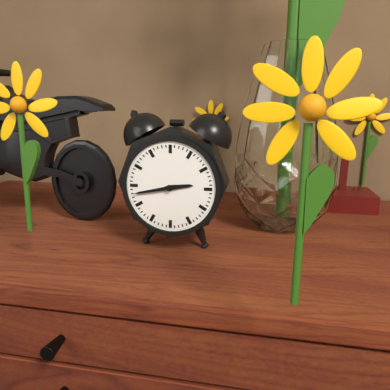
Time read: 2:43
